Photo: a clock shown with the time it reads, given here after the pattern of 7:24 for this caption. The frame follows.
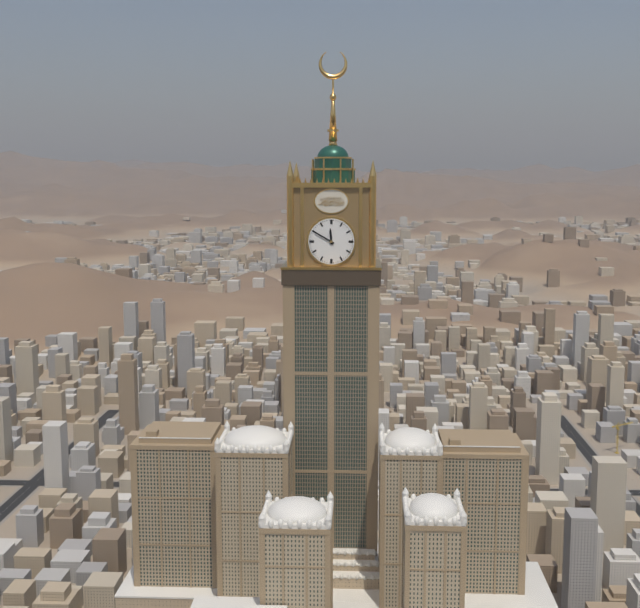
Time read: 11:50
